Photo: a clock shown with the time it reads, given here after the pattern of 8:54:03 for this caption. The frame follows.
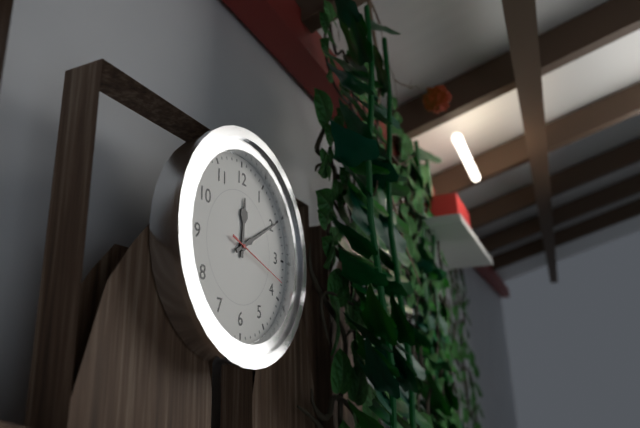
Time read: 12:10:18
